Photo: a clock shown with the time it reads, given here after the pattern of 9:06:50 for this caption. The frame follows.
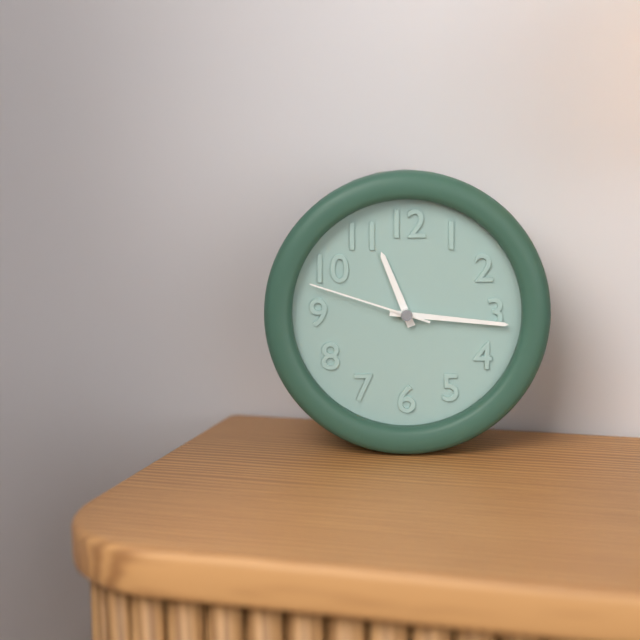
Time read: 11:16:48
